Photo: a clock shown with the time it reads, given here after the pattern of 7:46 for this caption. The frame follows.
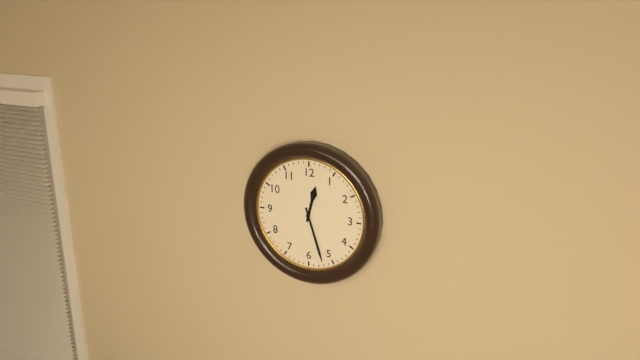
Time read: 12:27
